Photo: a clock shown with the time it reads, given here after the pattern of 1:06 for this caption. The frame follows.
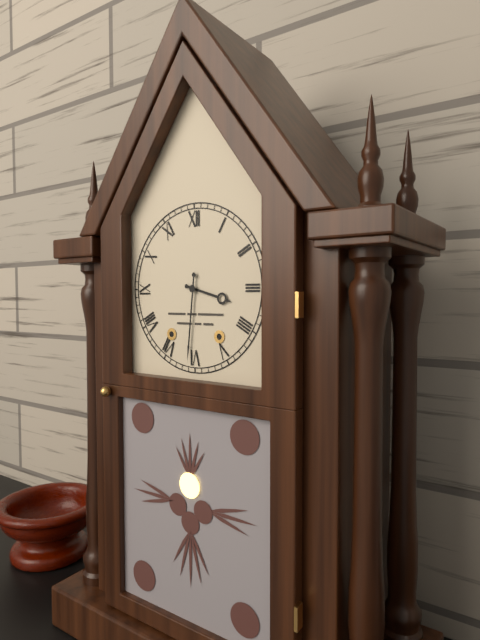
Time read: 3:31
